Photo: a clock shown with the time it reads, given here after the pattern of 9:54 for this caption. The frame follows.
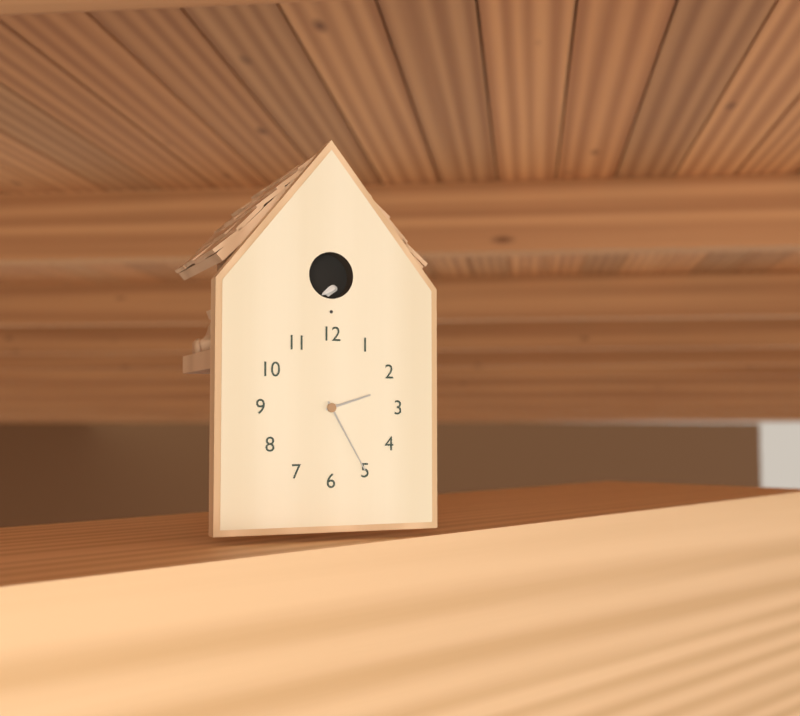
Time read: 2:25
